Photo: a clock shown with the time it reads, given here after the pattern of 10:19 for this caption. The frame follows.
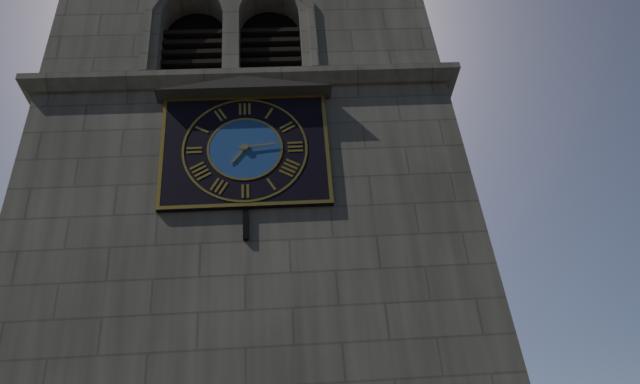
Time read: 7:14
